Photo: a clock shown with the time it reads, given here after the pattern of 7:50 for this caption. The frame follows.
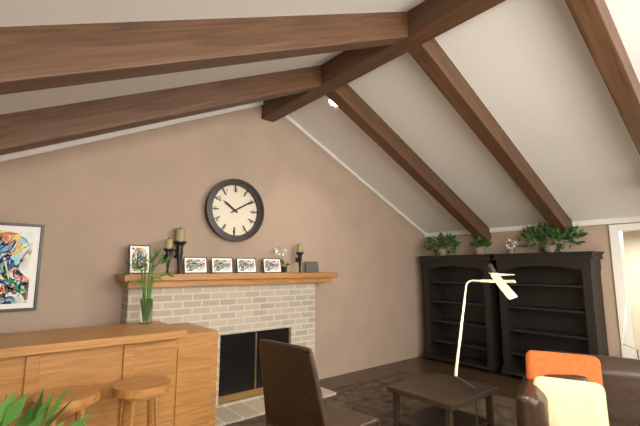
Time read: 10:10
